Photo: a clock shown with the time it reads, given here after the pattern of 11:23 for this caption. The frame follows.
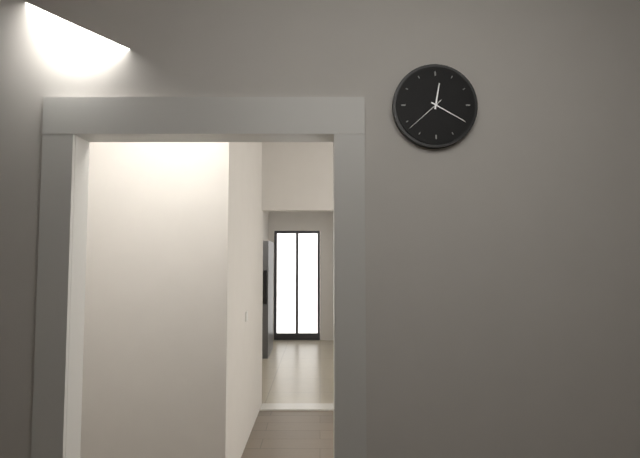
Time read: 12:20
